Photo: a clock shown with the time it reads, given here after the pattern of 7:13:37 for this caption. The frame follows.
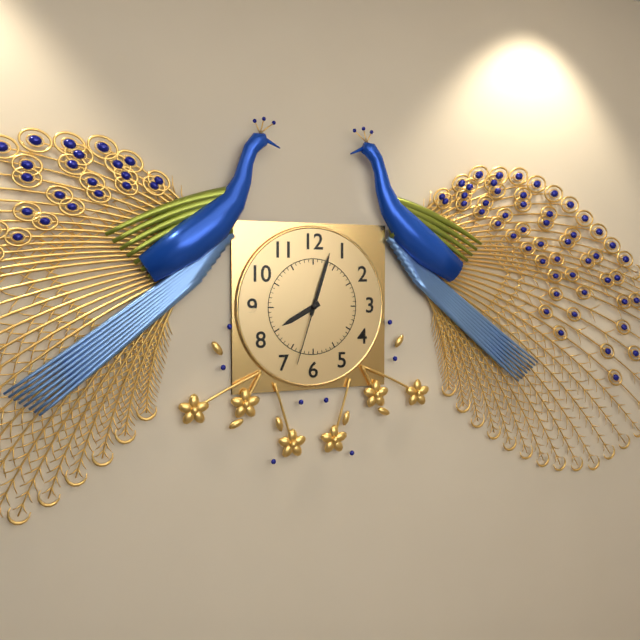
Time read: 8:03:33
